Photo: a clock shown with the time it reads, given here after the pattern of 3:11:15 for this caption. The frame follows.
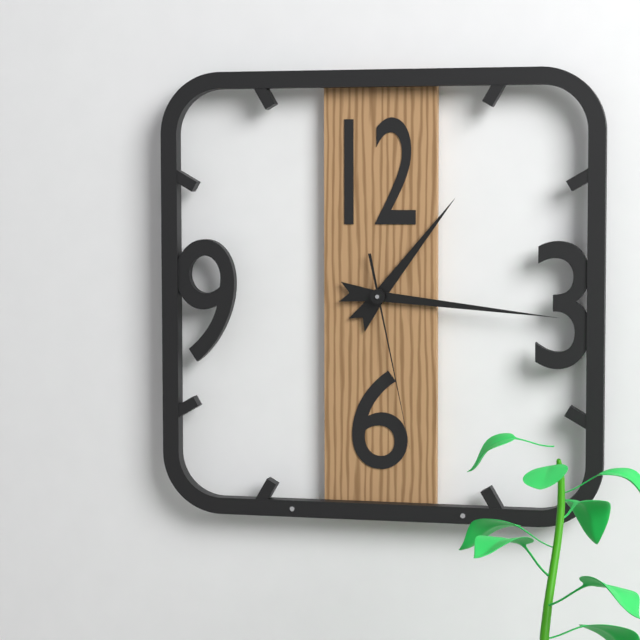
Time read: 1:16:28
